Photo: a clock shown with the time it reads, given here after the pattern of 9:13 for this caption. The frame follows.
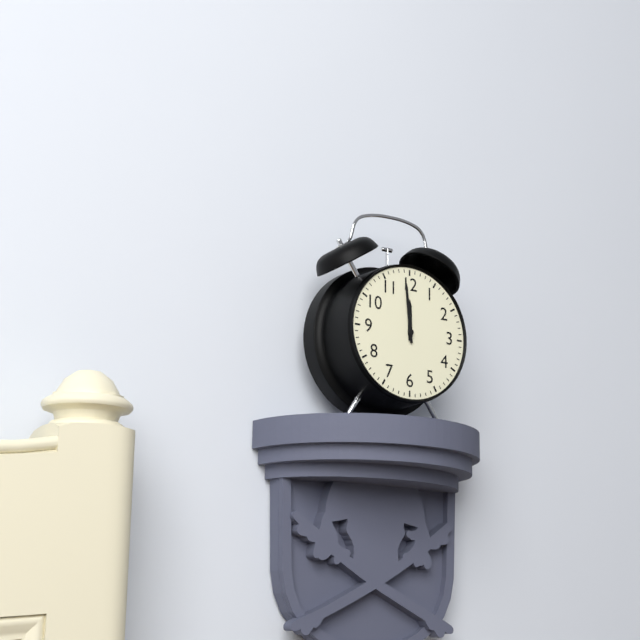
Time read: 11:59
